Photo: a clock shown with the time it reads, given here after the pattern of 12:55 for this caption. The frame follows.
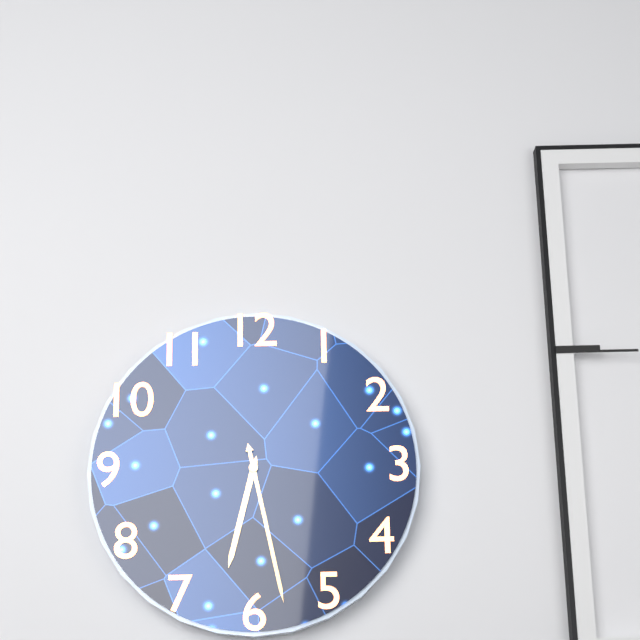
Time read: 6:28
